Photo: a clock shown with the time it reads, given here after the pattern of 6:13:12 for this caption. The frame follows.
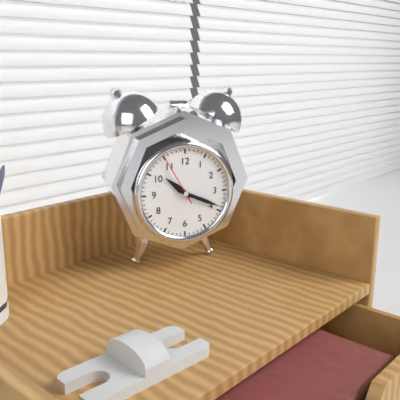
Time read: 10:19:55
